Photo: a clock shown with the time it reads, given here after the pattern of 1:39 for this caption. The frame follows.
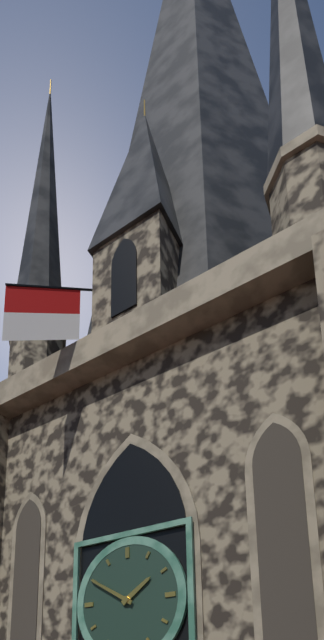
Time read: 1:50
